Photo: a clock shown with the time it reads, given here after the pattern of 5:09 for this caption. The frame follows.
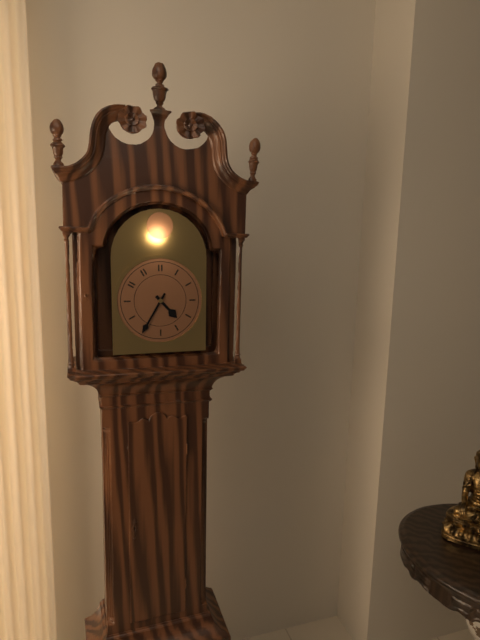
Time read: 4:35
